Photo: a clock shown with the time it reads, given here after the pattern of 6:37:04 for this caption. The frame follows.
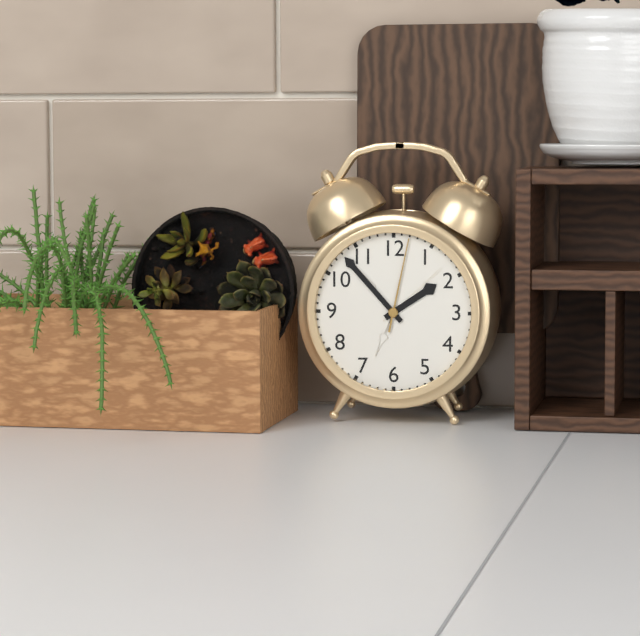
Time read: 1:53:02
